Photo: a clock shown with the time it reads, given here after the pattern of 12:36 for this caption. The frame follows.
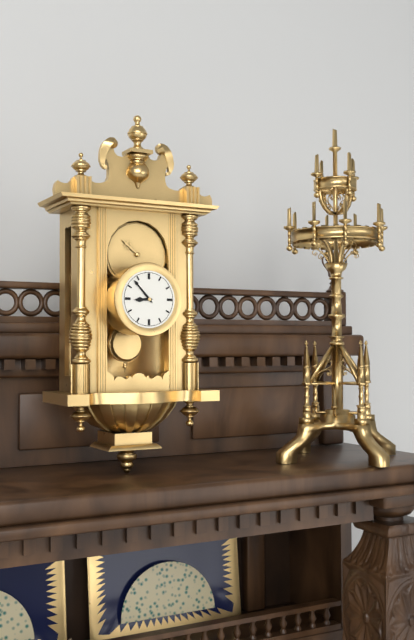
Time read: 8:53
